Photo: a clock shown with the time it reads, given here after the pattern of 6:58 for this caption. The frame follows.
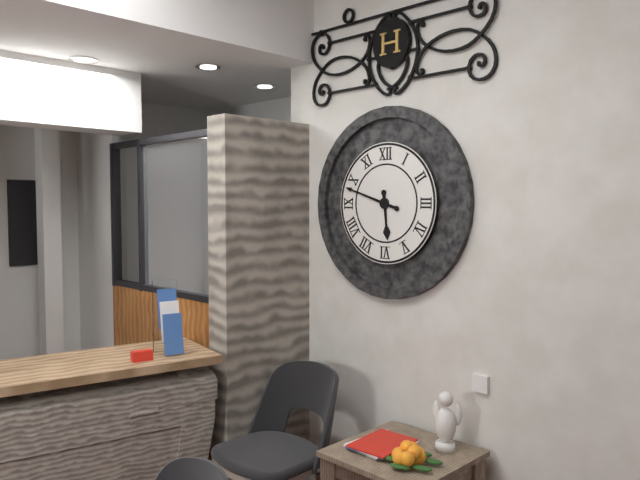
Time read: 5:48
